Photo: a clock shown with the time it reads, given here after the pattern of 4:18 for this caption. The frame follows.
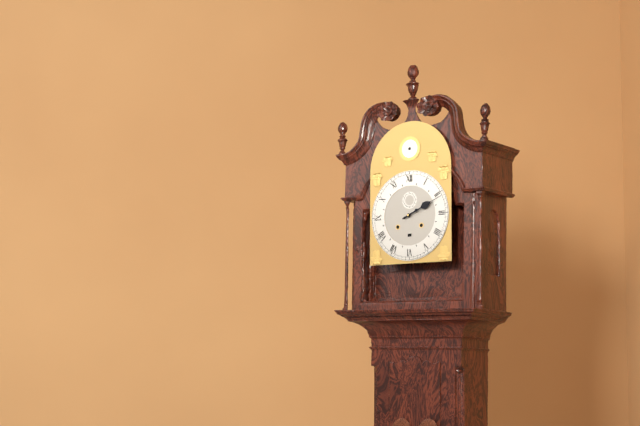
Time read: 2:11
